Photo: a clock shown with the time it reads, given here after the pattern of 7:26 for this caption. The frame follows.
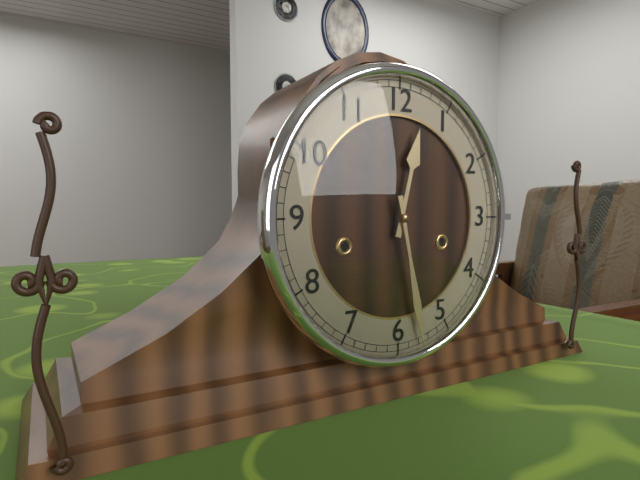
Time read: 12:28
